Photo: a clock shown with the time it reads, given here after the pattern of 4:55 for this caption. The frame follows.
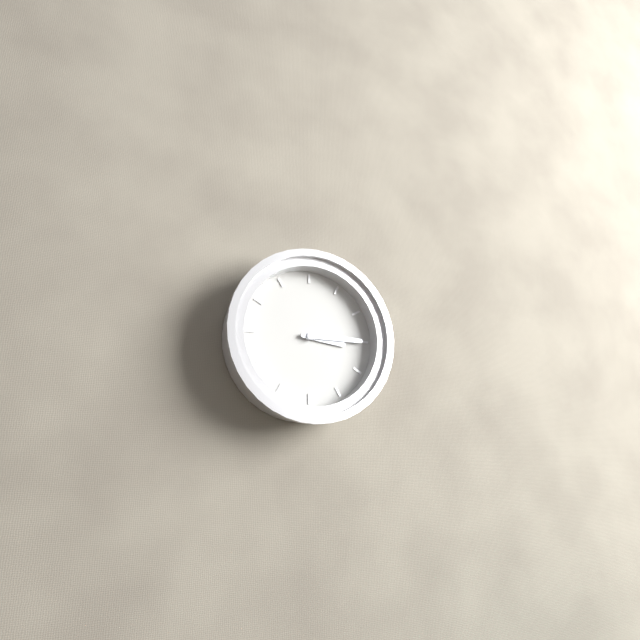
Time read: 3:15
